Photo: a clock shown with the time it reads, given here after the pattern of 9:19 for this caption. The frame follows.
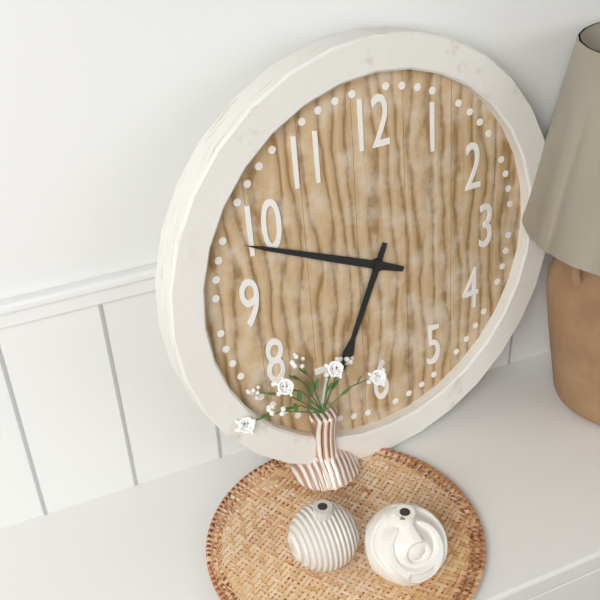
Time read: 6:49
